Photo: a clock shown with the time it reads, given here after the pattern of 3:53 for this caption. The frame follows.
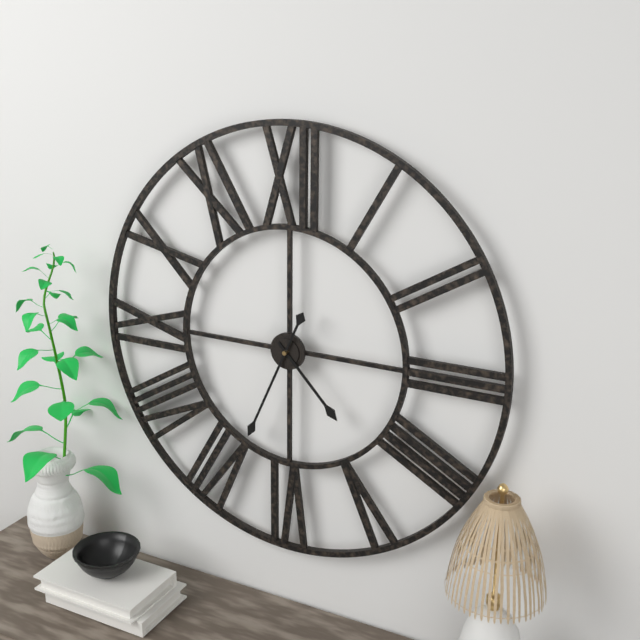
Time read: 4:34
